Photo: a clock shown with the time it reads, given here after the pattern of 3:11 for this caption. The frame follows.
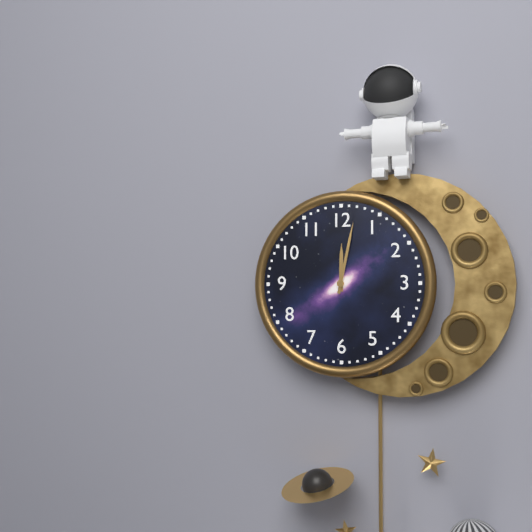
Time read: 12:02
